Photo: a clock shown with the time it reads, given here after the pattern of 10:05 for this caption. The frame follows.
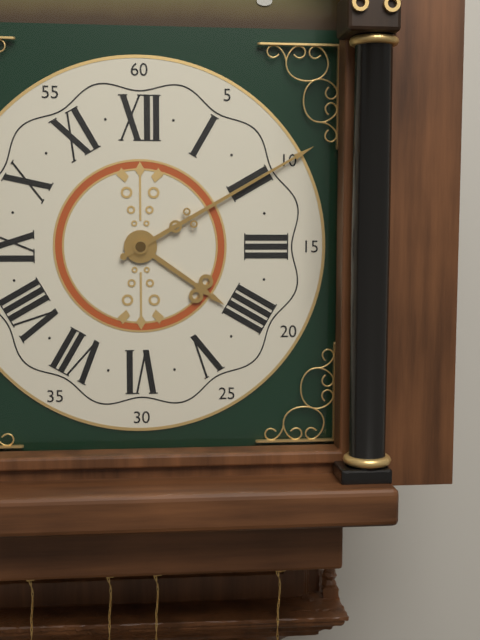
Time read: 4:10
